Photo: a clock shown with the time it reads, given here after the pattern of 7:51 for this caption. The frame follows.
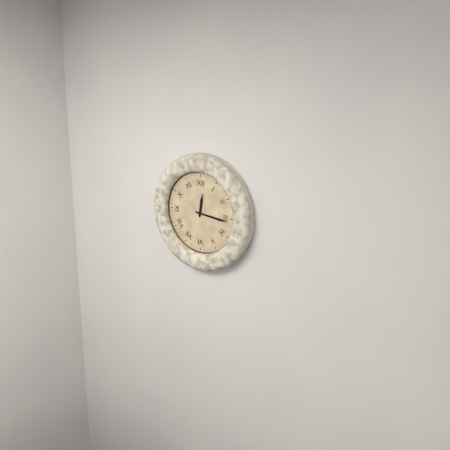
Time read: 12:16
